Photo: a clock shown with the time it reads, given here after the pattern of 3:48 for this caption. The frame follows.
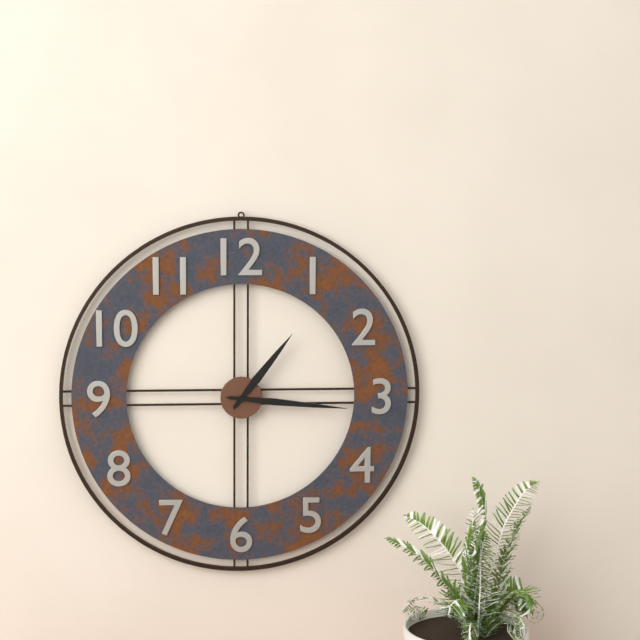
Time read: 1:16
